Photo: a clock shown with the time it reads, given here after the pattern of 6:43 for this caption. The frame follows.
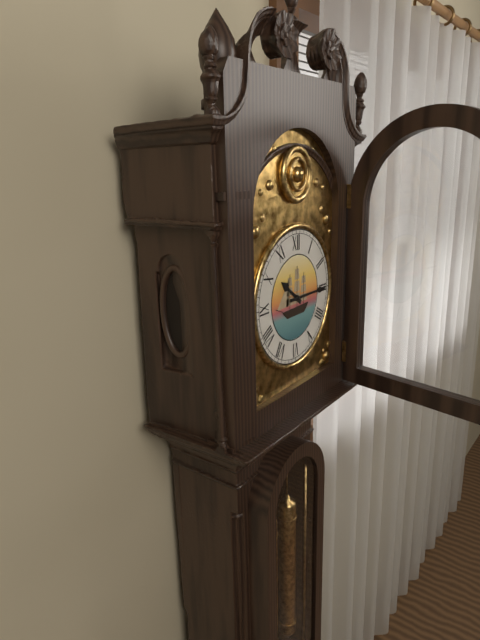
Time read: 10:15
